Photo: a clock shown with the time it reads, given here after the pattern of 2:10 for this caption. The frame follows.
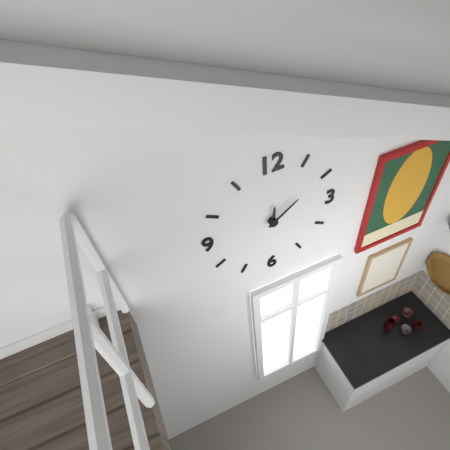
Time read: 12:09
